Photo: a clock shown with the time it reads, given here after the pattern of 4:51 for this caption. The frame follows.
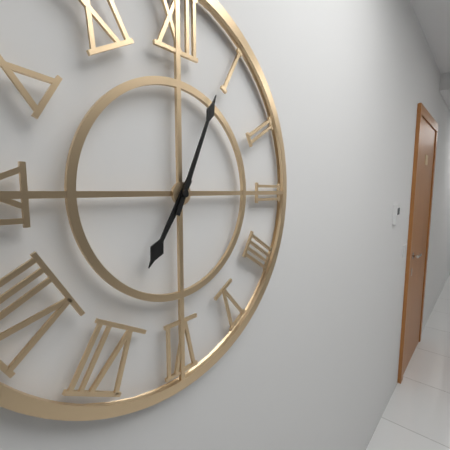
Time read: 7:04
